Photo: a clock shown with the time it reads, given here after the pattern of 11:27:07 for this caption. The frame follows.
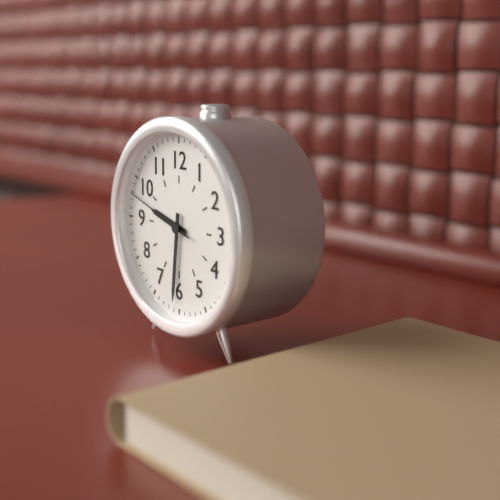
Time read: 9:31:48
